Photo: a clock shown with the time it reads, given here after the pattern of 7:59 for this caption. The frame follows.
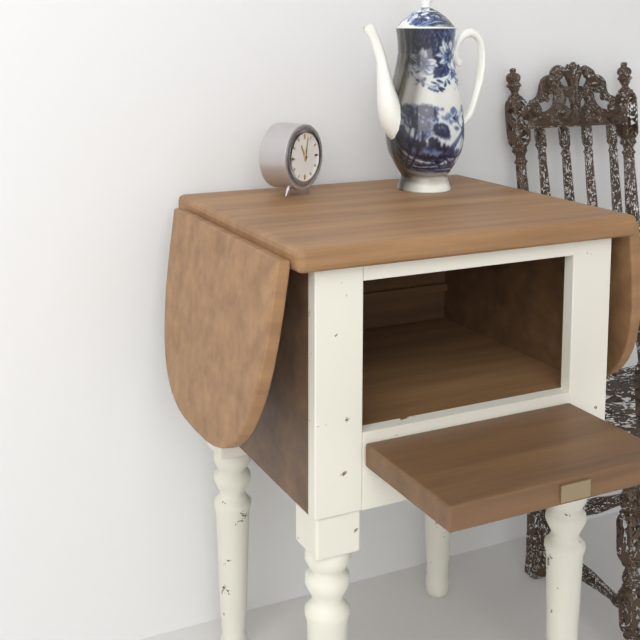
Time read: 11:02
